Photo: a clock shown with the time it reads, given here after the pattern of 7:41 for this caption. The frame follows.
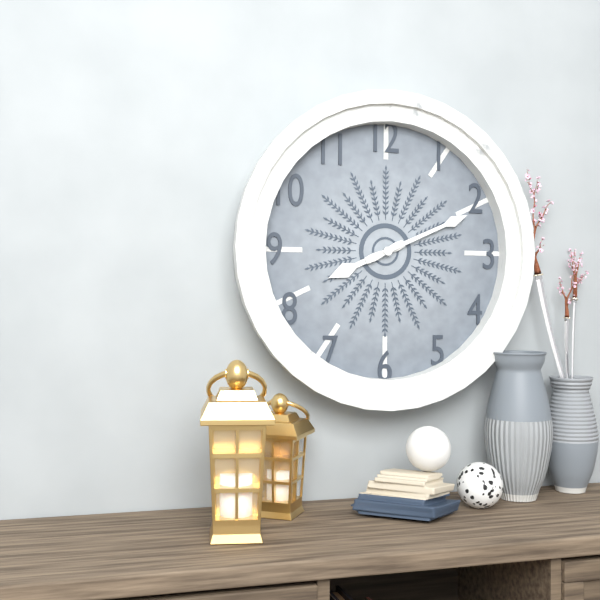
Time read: 8:11
